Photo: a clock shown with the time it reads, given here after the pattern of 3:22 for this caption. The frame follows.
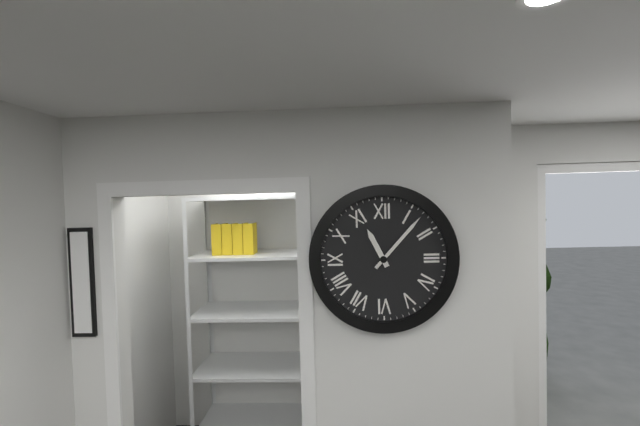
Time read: 11:07
